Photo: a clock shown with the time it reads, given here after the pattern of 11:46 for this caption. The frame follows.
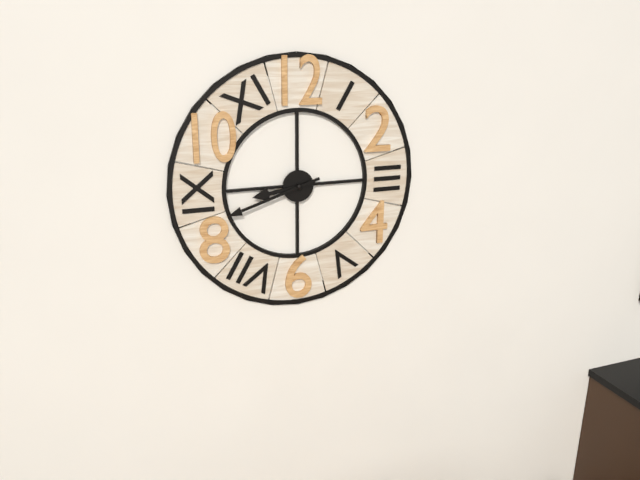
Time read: 8:42
